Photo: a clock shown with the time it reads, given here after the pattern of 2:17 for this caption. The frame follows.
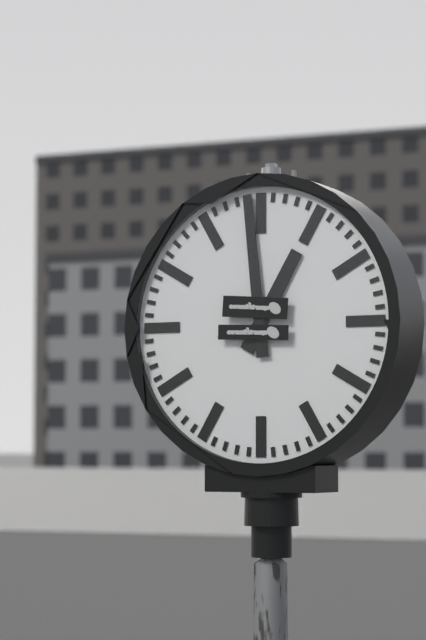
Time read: 12:59
